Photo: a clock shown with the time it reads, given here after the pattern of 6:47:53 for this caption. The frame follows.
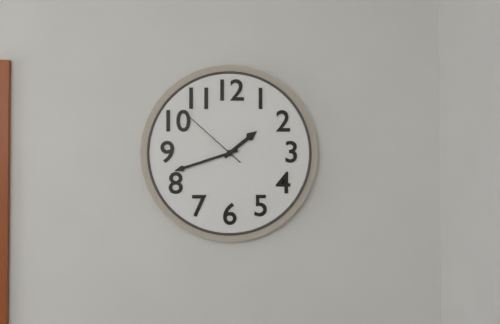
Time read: 1:42:52
